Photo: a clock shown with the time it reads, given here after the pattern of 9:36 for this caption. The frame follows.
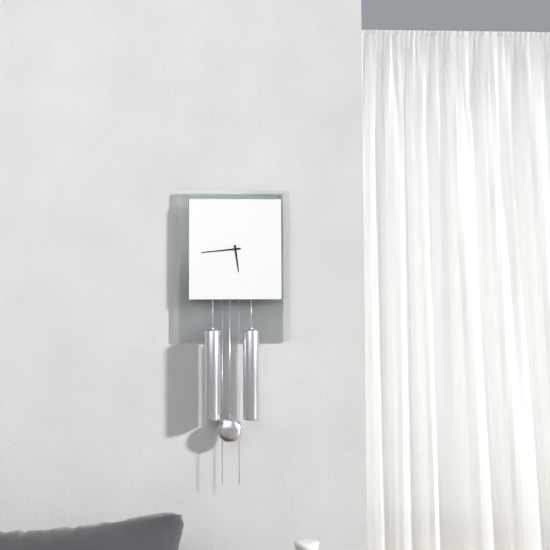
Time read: 5:44
